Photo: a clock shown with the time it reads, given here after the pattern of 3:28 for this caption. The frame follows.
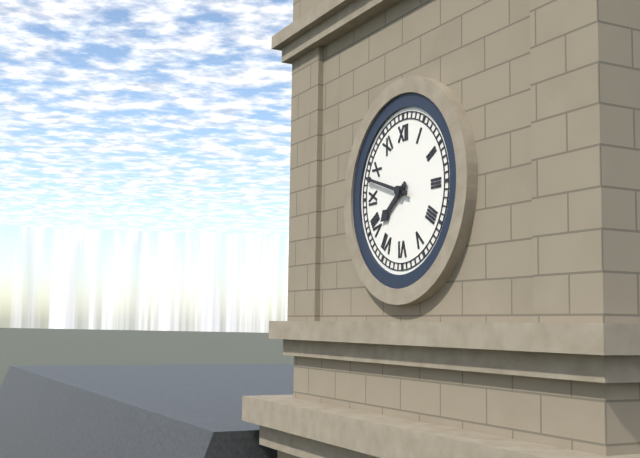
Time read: 7:48
